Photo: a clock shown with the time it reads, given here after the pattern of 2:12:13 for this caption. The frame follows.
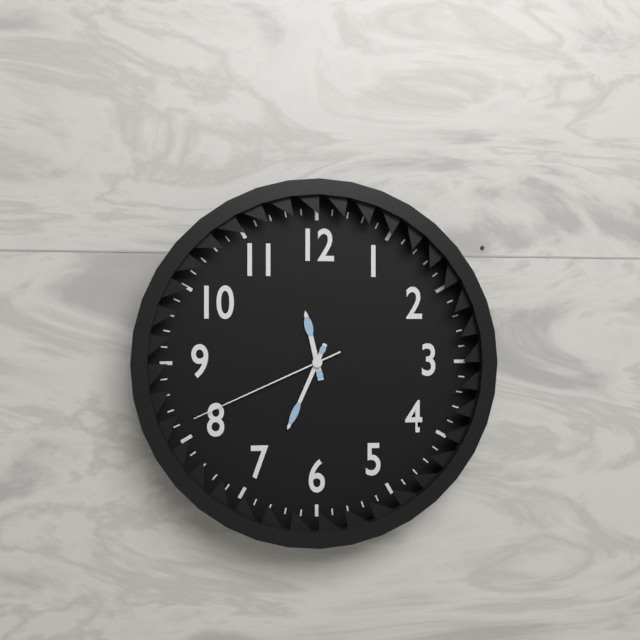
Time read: 11:34:41
